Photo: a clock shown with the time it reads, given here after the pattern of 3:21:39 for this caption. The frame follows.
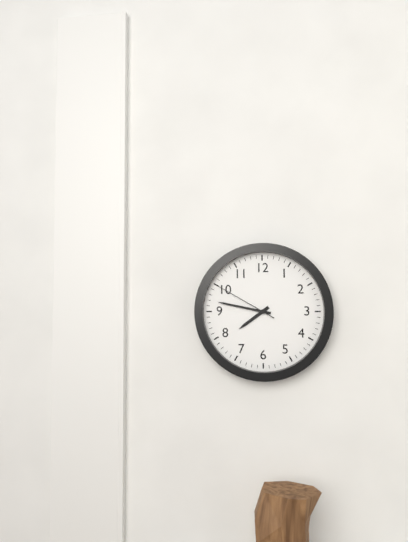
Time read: 7:47:50
